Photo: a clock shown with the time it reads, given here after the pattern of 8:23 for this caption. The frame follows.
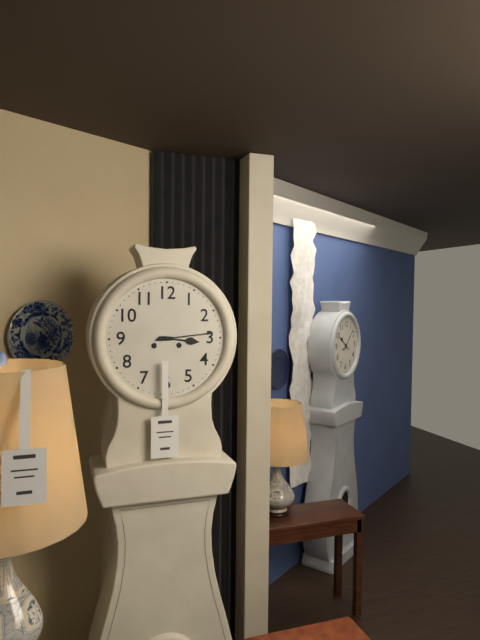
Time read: 3:14
